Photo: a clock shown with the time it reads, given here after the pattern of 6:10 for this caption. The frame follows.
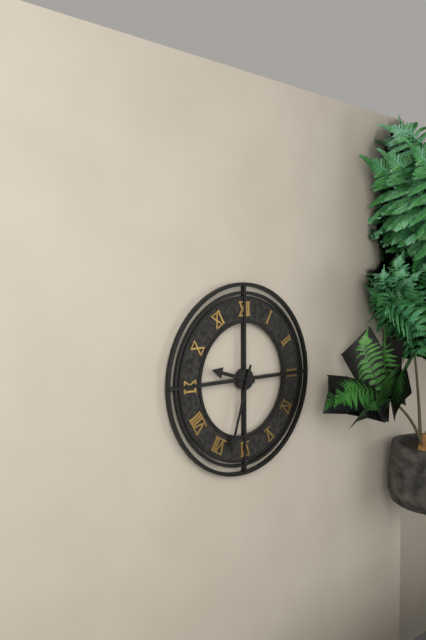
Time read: 9:33
